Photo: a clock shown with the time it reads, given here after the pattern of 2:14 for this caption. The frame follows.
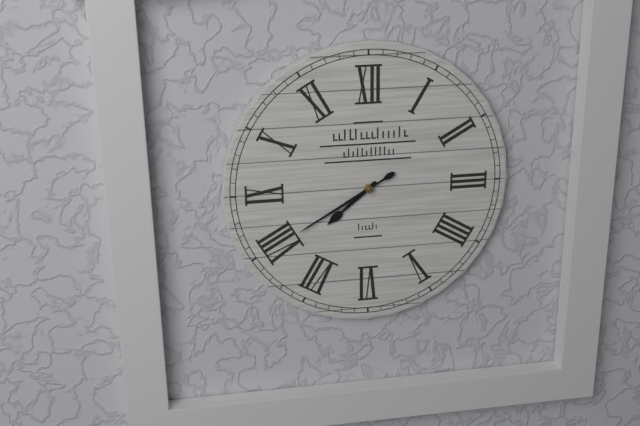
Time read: 7:40
